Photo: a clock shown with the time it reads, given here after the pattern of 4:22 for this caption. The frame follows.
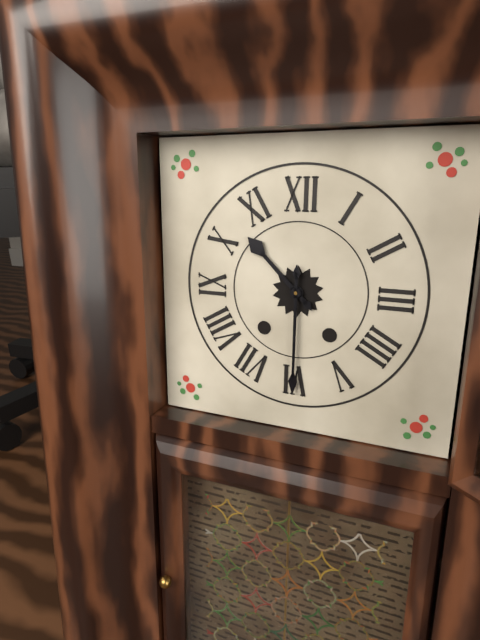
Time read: 10:30
